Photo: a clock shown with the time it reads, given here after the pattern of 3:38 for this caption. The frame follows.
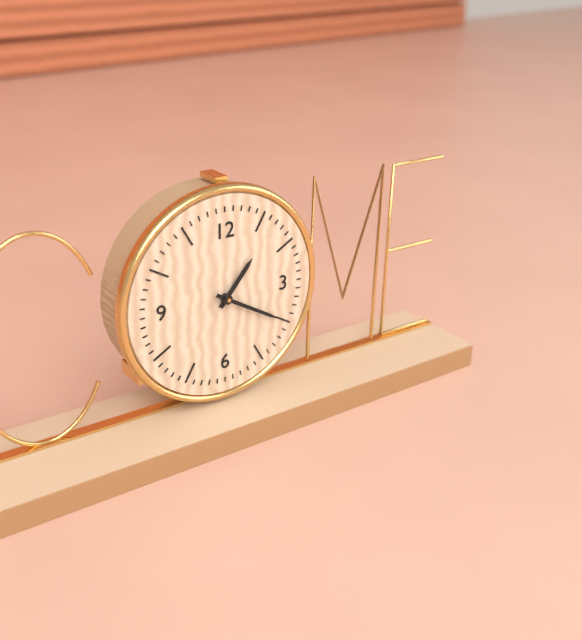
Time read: 1:20
